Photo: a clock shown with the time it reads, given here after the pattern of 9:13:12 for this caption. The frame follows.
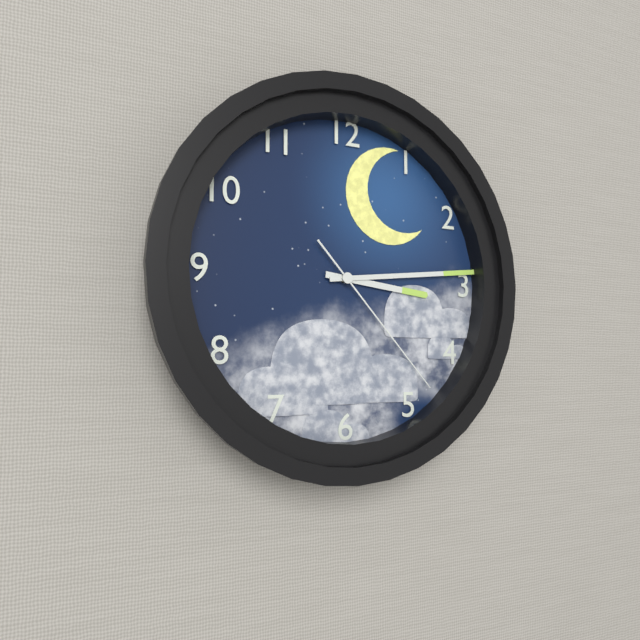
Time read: 3:14:23
